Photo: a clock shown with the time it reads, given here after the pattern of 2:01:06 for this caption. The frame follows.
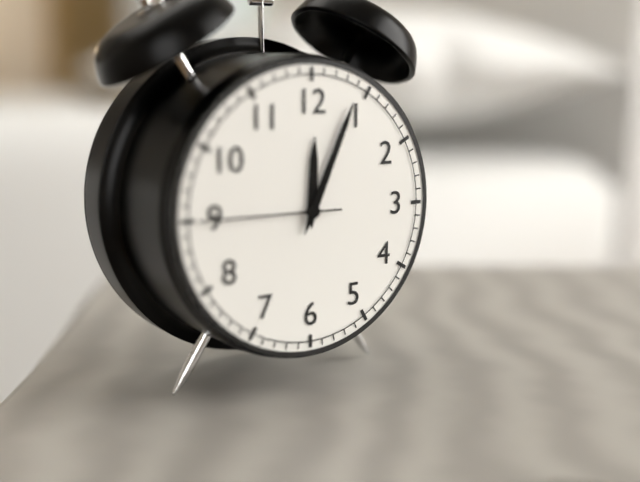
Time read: 12:04:45
